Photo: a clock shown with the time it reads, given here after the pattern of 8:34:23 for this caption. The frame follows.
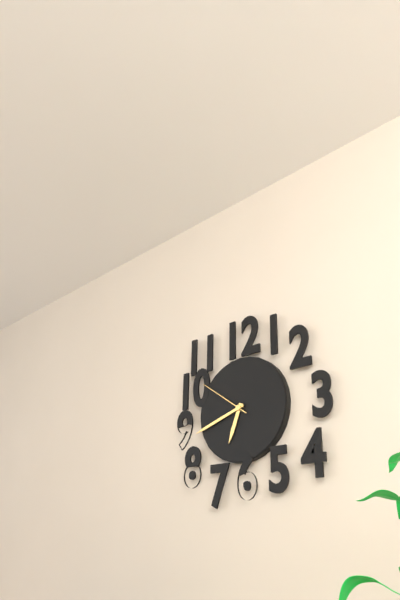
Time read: 6:42:51
